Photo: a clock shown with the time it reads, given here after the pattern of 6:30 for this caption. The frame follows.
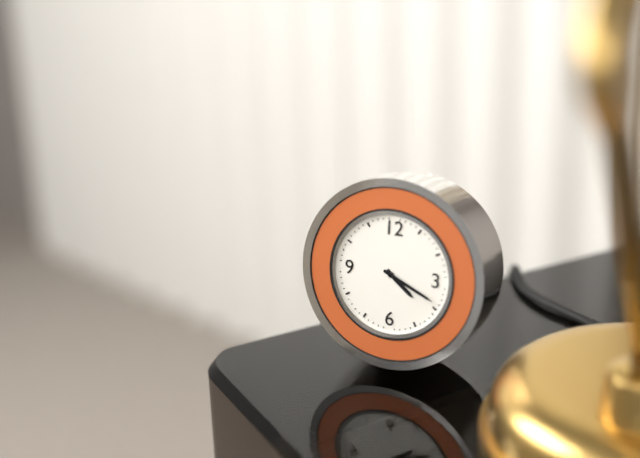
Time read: 4:19
